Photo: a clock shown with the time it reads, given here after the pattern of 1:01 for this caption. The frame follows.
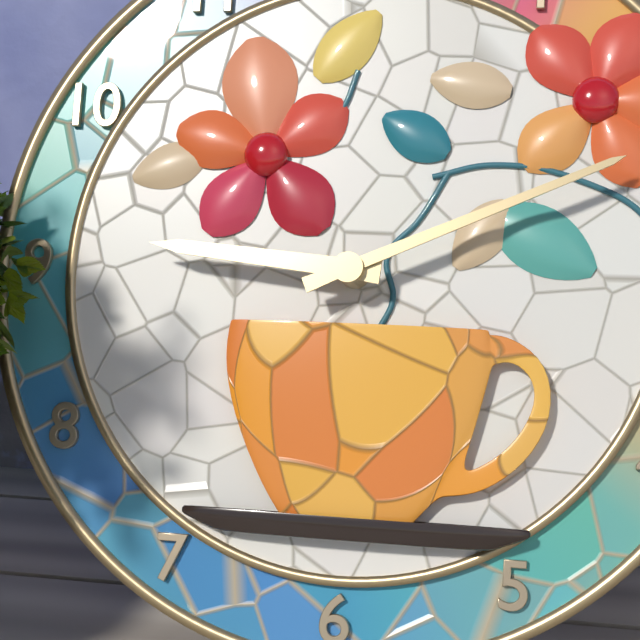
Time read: 9:11
